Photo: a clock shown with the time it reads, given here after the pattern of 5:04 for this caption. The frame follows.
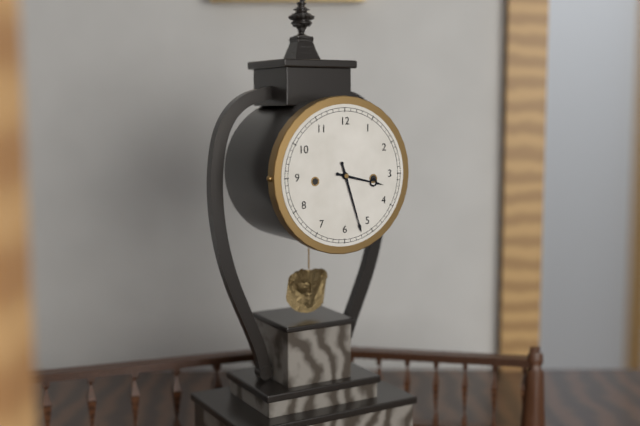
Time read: 3:27
